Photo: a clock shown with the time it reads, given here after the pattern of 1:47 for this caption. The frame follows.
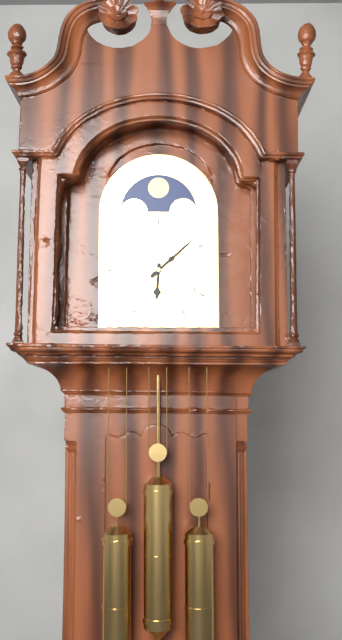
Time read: 6:08
